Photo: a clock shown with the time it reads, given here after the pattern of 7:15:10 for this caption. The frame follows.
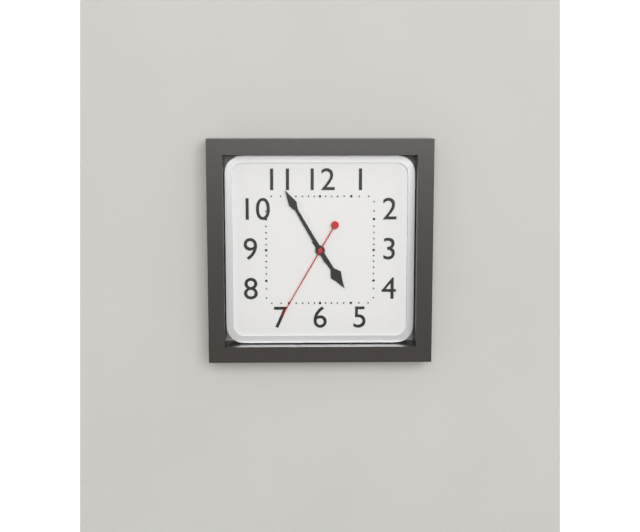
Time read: 4:55:35
